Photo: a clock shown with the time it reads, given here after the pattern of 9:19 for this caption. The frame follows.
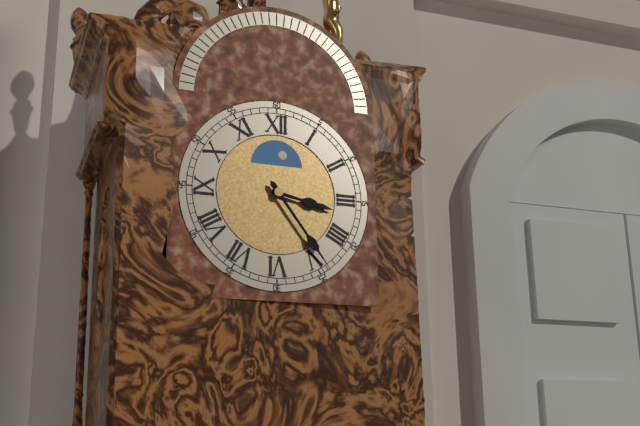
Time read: 3:24
